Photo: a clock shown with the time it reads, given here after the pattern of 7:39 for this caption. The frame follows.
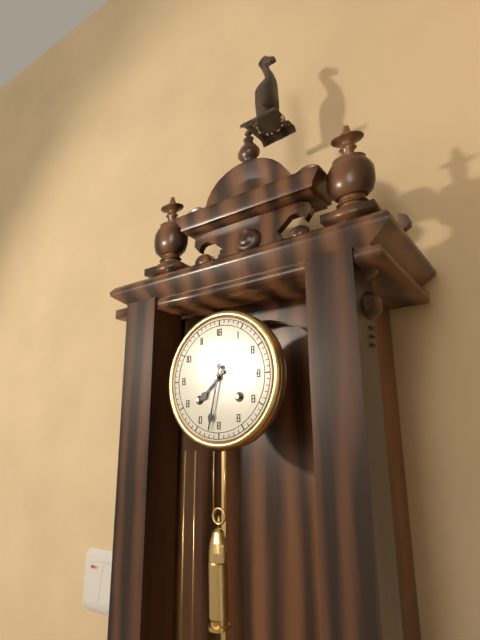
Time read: 7:32
